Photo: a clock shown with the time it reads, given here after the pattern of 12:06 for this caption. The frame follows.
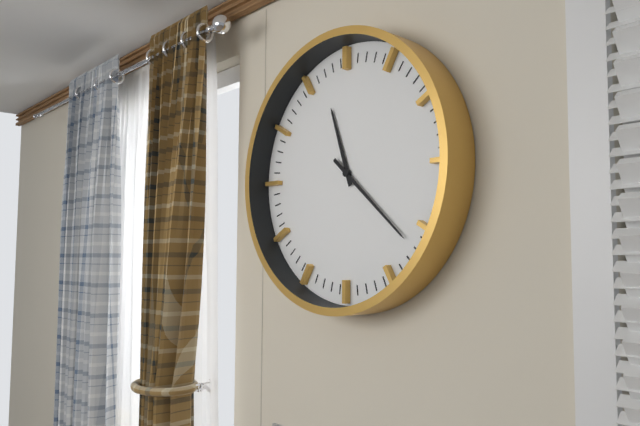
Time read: 11:22
